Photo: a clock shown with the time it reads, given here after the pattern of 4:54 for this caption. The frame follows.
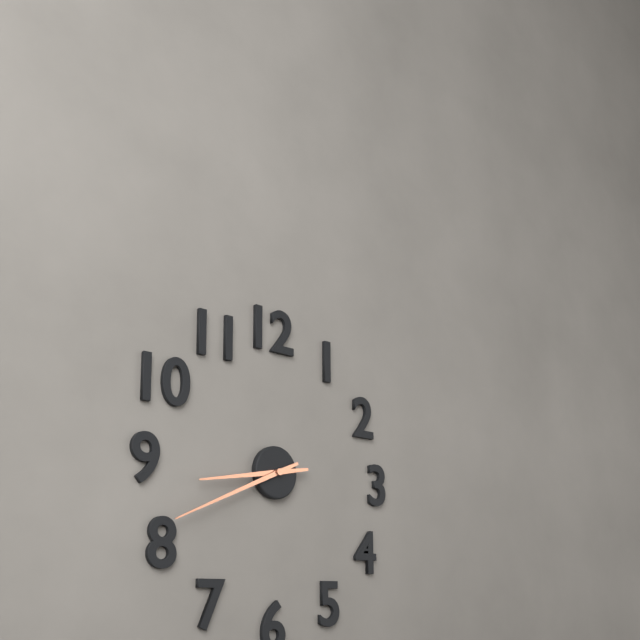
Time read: 8:41
